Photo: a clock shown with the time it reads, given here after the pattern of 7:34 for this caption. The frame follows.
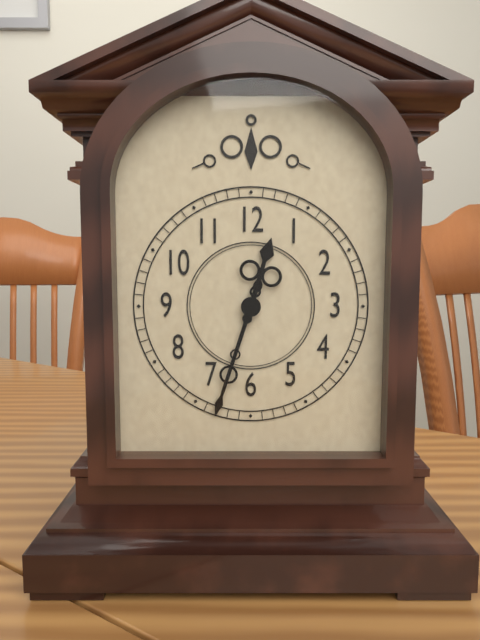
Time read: 12:33
